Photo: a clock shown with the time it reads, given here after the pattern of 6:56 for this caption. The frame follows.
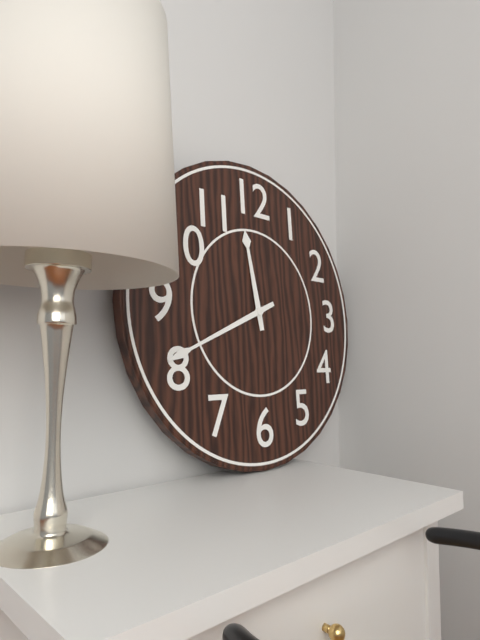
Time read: 11:41
